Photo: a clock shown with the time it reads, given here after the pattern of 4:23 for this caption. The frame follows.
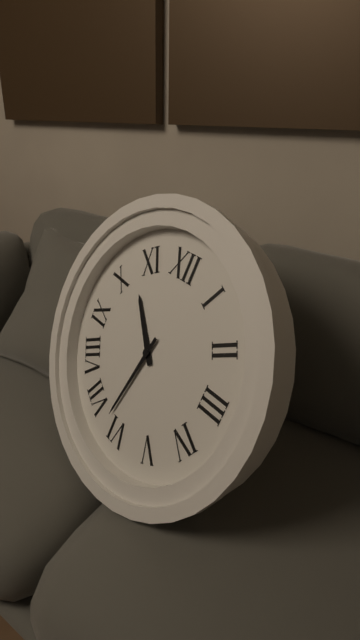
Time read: 10:32
